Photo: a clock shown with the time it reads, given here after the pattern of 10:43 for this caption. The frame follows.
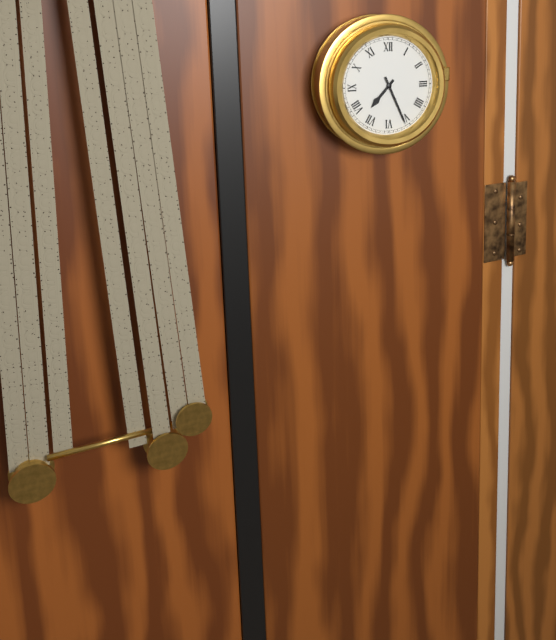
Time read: 7:26
